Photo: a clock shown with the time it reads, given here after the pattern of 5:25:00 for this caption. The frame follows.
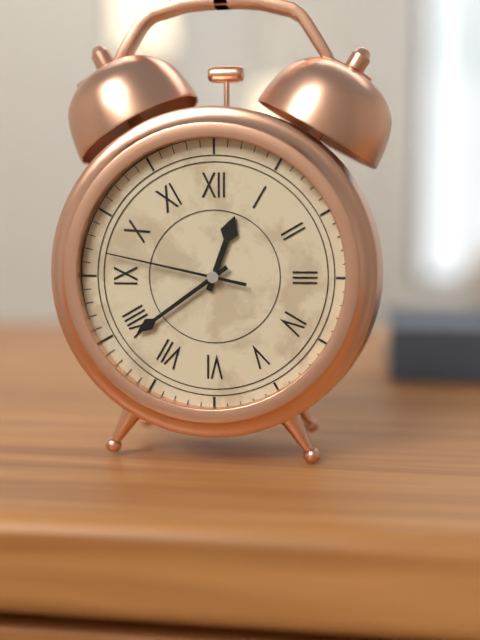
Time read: 12:39:47
